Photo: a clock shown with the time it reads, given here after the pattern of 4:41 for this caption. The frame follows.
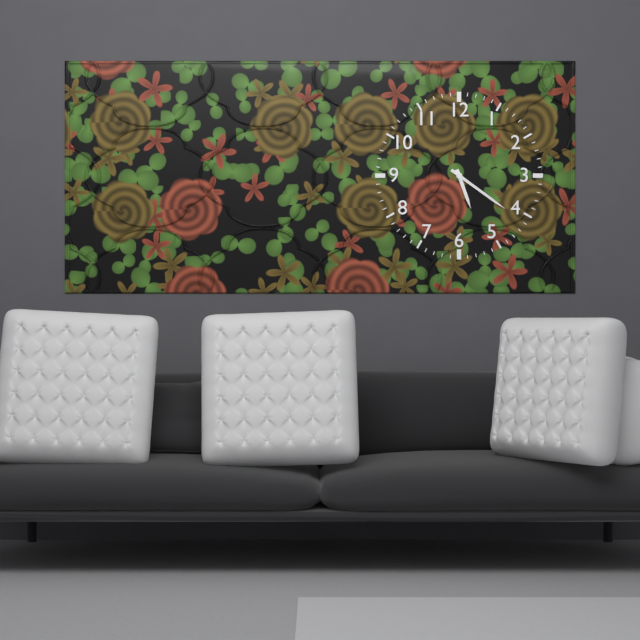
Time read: 5:21
